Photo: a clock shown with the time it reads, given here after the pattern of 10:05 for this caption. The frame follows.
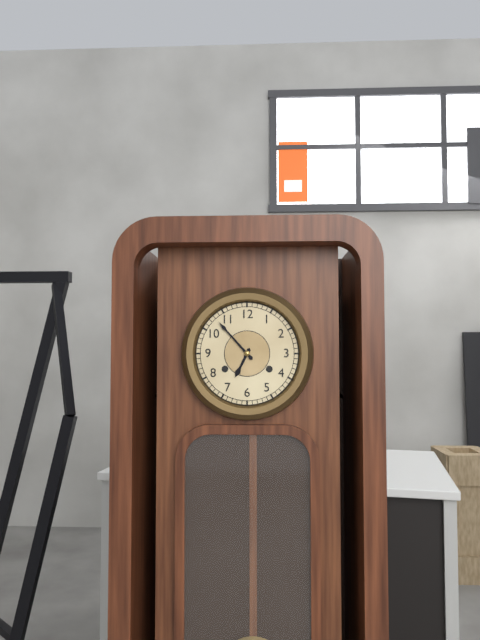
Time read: 6:53
